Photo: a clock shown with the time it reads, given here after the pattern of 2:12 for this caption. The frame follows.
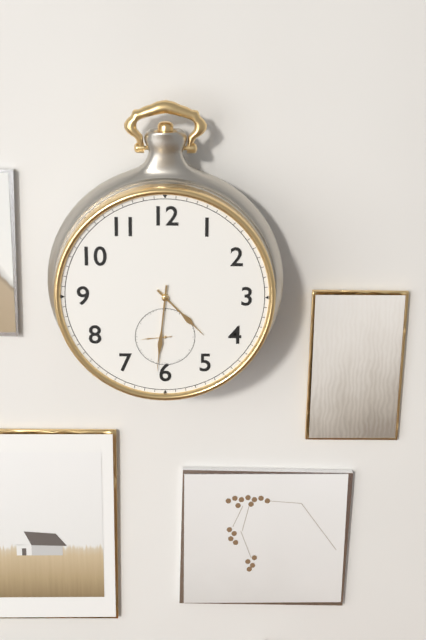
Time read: 4:31
